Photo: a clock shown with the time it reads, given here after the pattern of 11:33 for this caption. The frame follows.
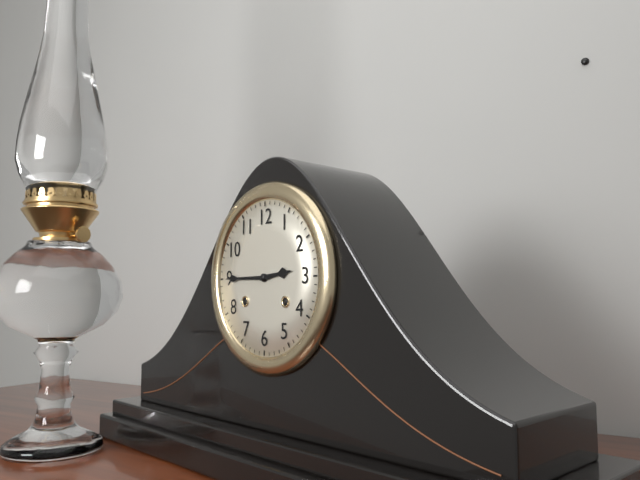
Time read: 2:45
